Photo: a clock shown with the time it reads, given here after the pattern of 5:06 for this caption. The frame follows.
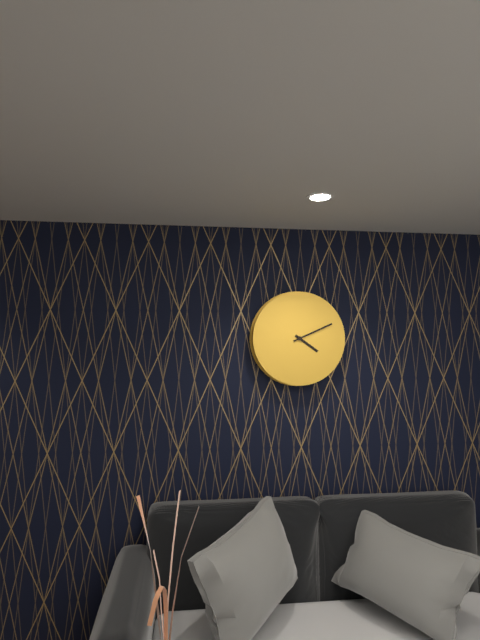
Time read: 4:11
